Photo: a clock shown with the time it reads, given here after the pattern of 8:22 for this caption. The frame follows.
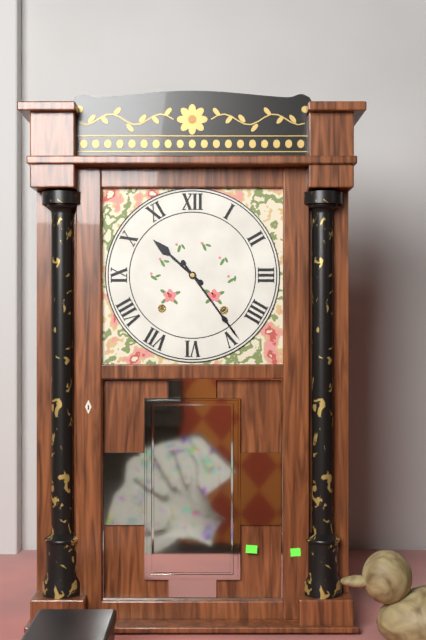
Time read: 10:24
